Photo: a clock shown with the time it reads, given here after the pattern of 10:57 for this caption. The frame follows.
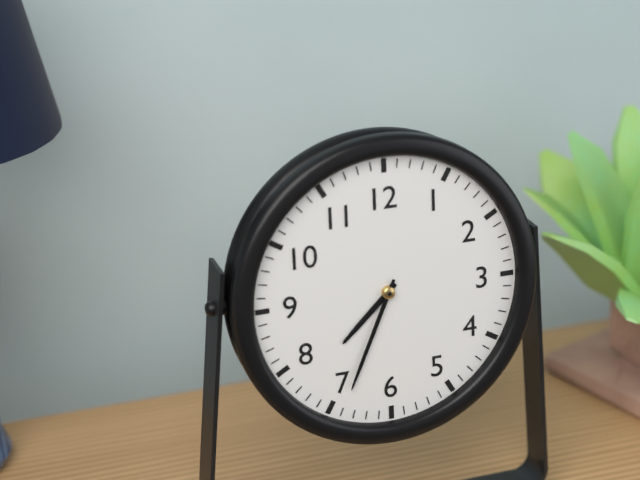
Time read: 7:34
